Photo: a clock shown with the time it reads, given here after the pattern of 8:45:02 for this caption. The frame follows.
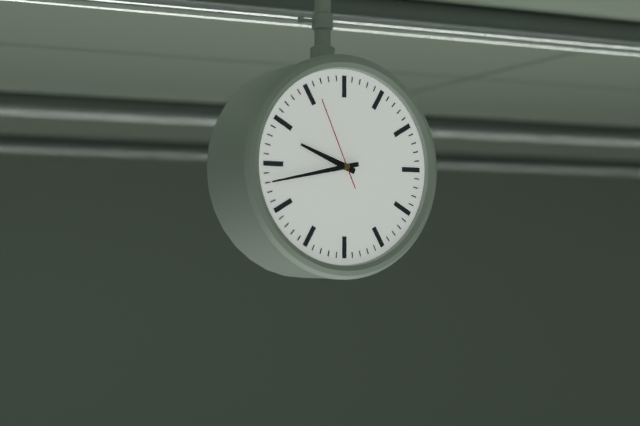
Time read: 9:43:56
